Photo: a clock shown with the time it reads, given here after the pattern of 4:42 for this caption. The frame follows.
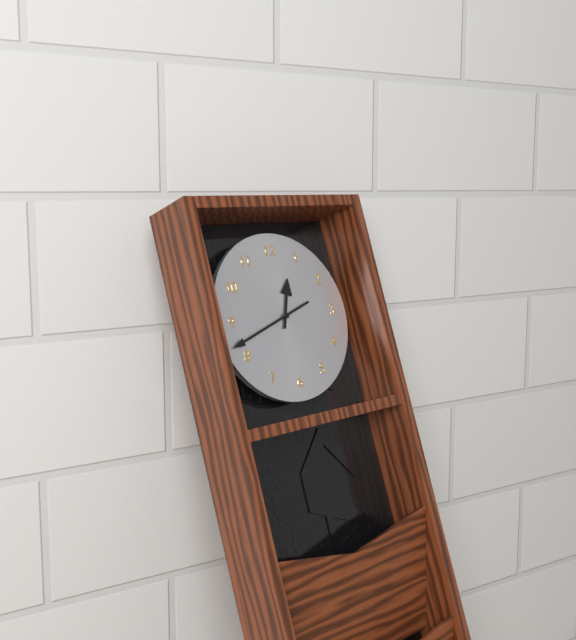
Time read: 12:42
